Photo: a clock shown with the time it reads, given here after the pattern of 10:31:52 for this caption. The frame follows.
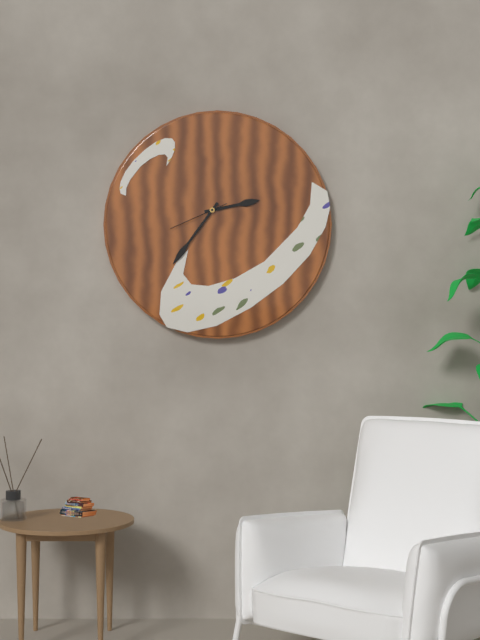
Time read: 2:36:41
